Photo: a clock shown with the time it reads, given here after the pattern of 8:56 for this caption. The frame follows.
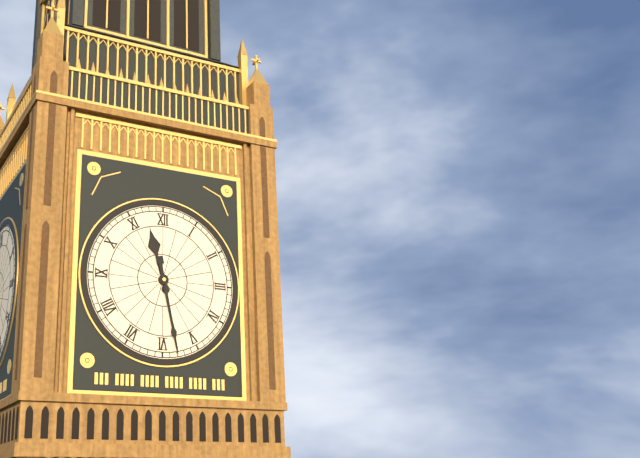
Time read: 11:28
